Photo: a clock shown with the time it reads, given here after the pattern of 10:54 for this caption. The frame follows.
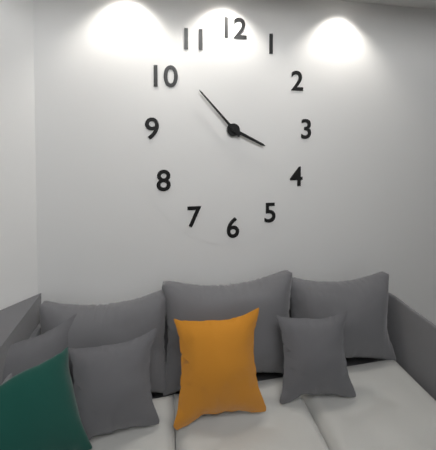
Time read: 3:53
